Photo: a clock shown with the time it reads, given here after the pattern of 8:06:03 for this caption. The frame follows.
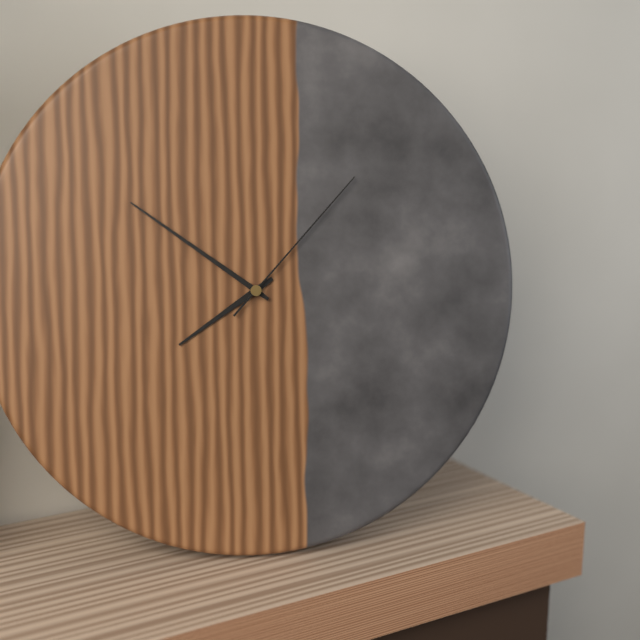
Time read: 7:51:07
